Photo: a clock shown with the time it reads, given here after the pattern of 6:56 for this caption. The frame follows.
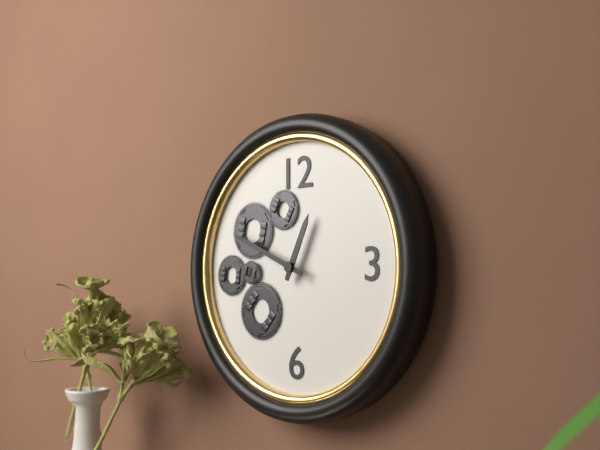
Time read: 12:49
